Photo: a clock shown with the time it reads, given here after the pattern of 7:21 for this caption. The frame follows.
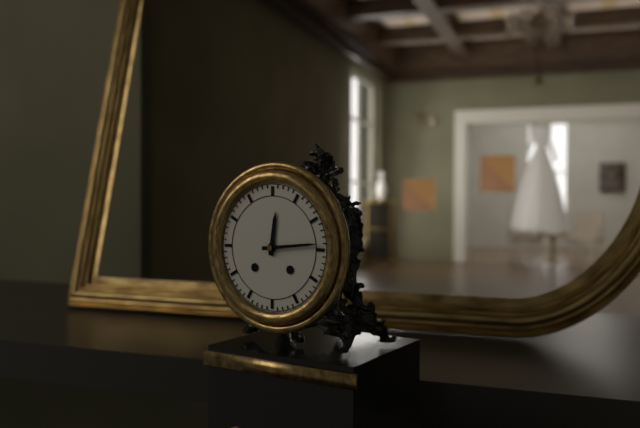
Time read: 12:14
